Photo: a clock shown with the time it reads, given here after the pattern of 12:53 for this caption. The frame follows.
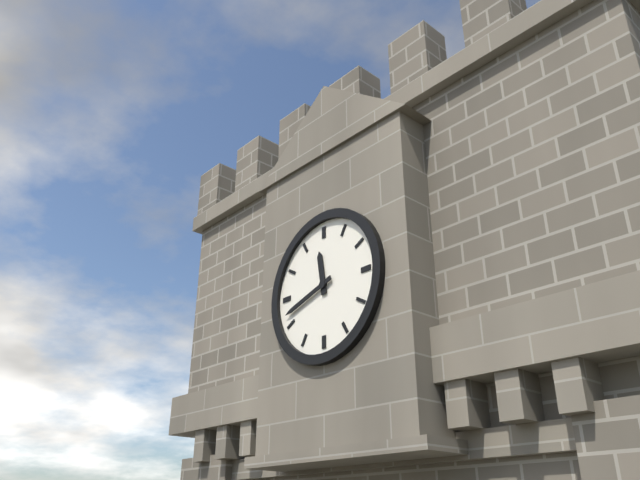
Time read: 11:42
